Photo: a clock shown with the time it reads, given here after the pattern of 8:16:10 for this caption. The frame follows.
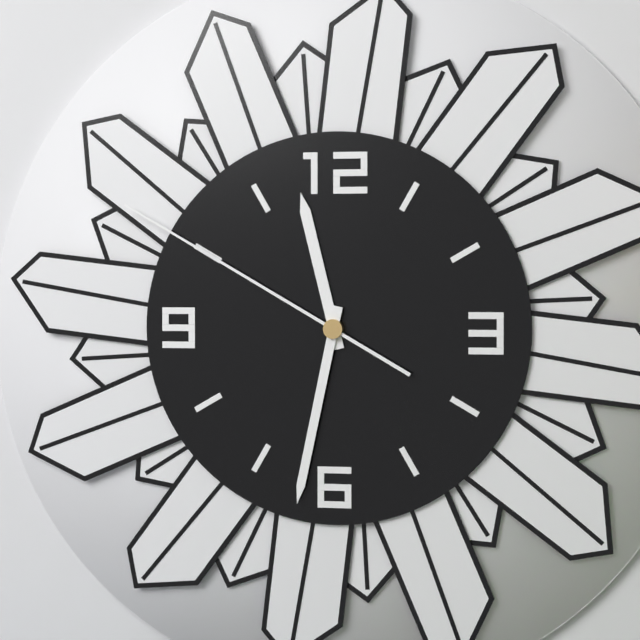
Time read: 11:32:50
